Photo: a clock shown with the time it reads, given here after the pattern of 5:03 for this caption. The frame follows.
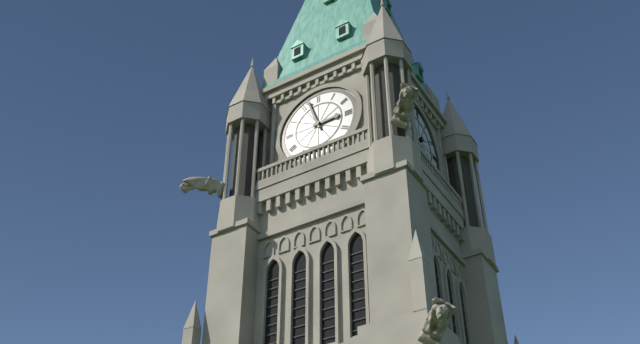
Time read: 2:57
